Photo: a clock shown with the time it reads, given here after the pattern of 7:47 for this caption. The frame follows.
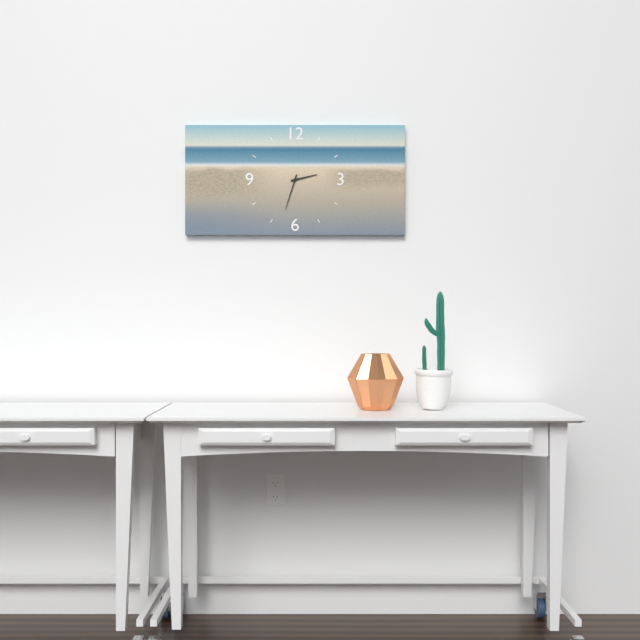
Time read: 2:33
